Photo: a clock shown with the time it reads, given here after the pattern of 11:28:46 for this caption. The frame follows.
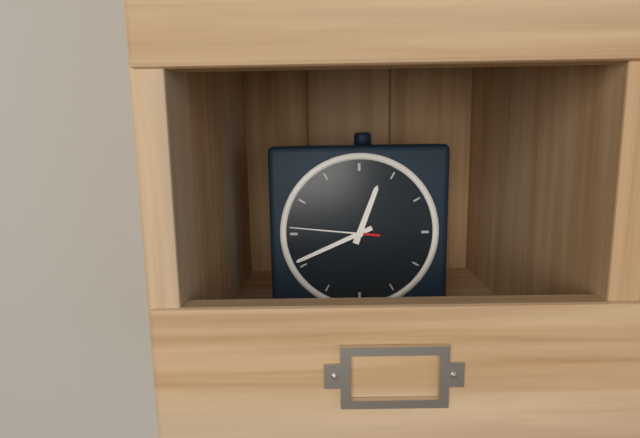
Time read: 12:41:46
